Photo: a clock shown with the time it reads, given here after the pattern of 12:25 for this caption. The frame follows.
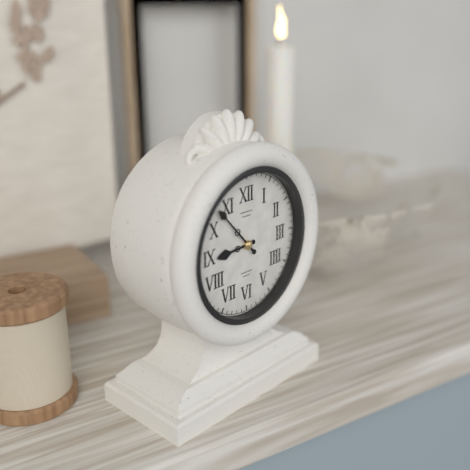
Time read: 8:53
